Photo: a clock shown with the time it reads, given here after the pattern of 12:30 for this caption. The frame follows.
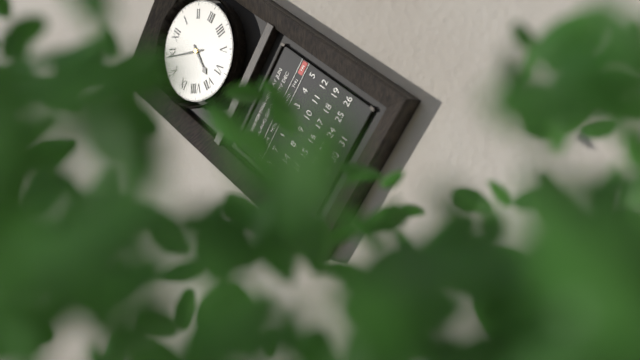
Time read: 6:54
